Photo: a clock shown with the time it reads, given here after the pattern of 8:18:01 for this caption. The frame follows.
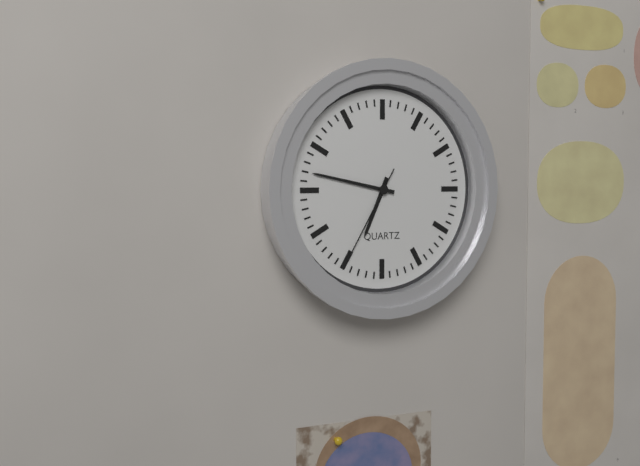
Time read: 6:47:35
